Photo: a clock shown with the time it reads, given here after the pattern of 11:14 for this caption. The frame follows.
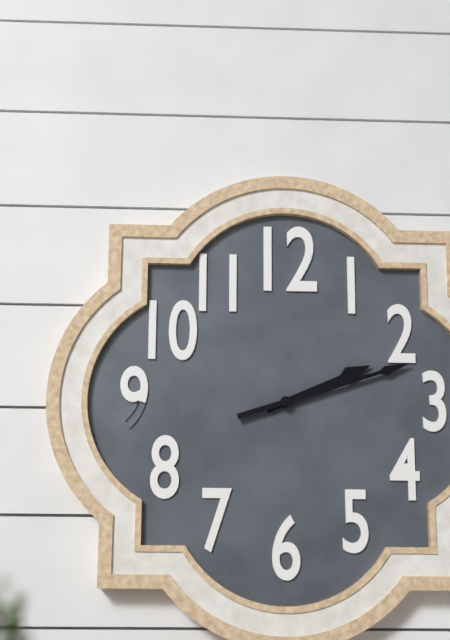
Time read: 2:12
